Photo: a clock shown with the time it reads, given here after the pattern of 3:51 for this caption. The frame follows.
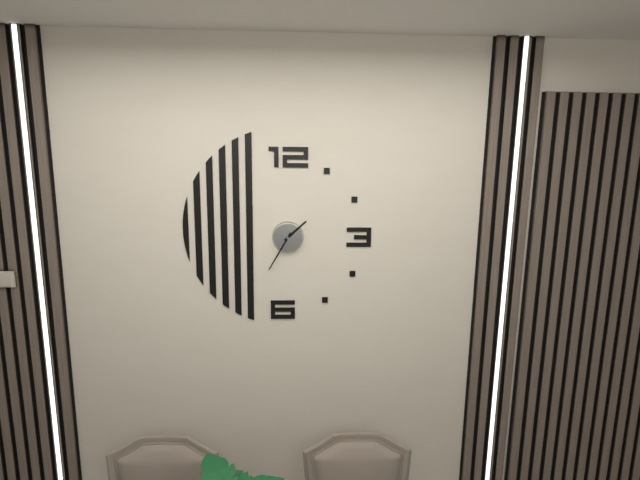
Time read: 1:35
